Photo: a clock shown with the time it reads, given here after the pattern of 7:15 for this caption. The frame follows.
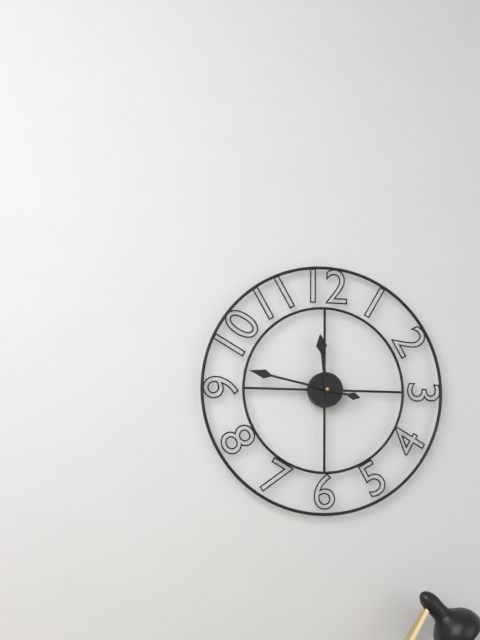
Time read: 11:47
